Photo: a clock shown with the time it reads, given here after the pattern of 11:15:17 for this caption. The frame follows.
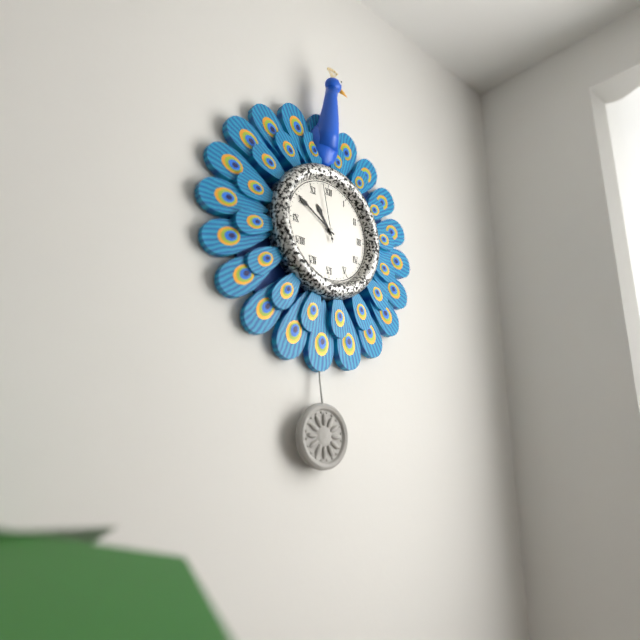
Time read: 10:50:58
